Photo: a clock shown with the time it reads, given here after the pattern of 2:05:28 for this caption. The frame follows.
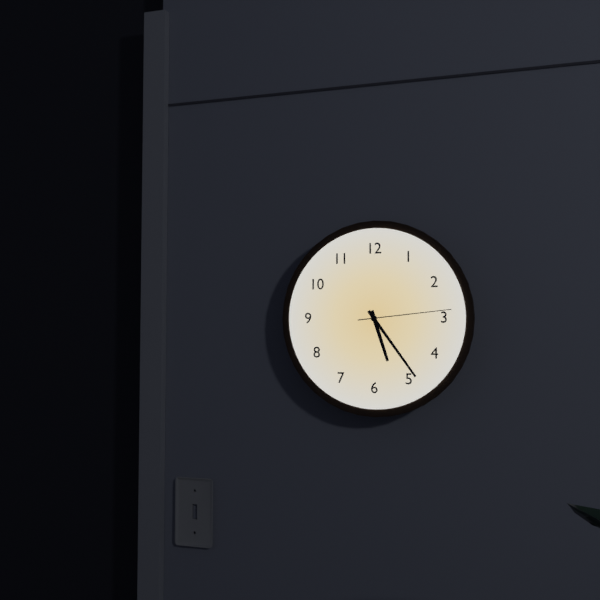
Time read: 5:24:14
